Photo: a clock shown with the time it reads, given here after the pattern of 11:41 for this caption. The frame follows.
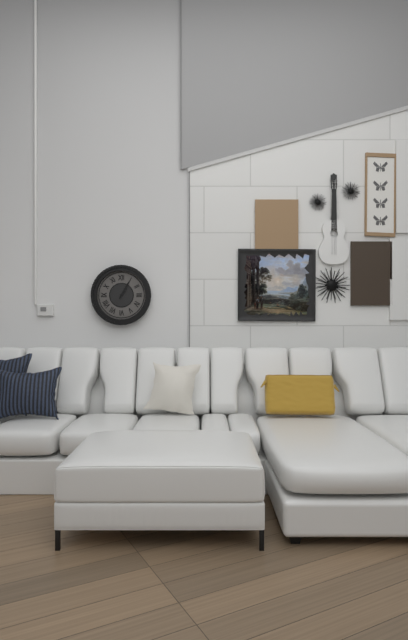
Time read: 1:05
